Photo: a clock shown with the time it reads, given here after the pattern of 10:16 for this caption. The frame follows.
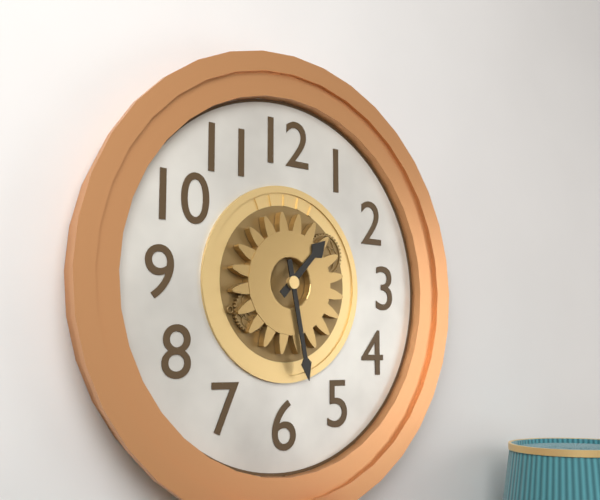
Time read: 1:28
